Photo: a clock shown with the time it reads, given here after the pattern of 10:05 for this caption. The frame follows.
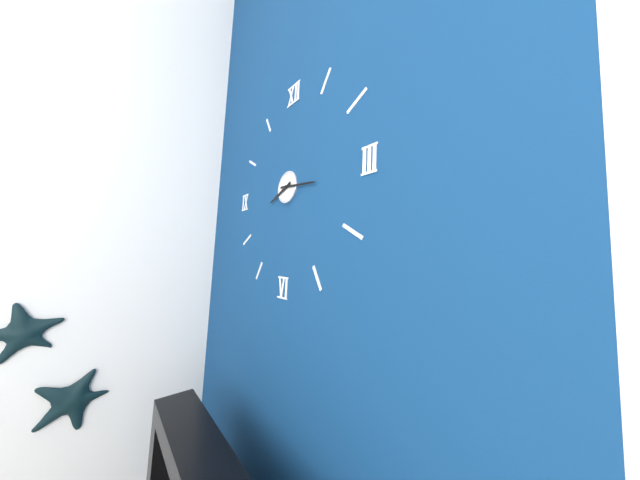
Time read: 8:16
